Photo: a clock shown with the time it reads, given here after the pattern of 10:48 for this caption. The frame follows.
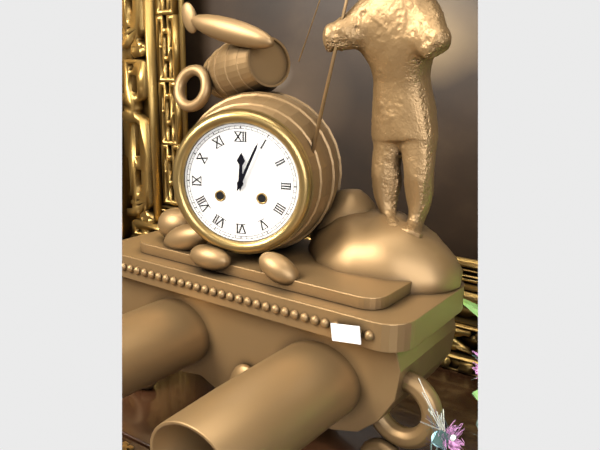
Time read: 12:04
